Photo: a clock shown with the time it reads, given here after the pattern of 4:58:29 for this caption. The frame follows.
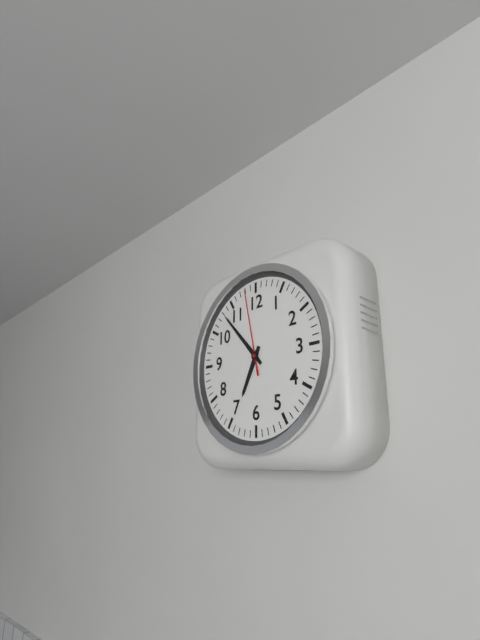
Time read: 6:53:58
